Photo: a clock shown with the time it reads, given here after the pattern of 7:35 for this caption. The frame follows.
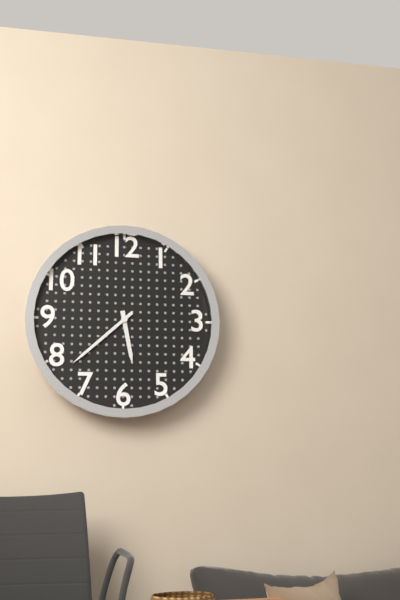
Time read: 5:38
